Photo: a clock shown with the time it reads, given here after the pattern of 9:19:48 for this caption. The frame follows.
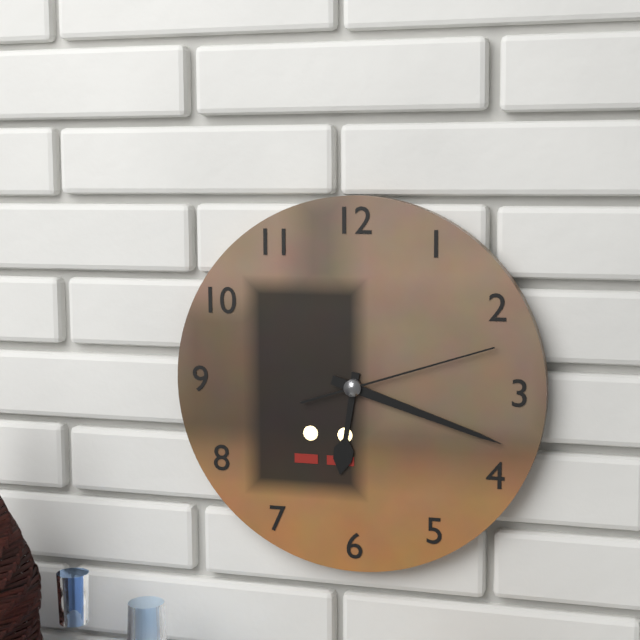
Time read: 6:18:12
